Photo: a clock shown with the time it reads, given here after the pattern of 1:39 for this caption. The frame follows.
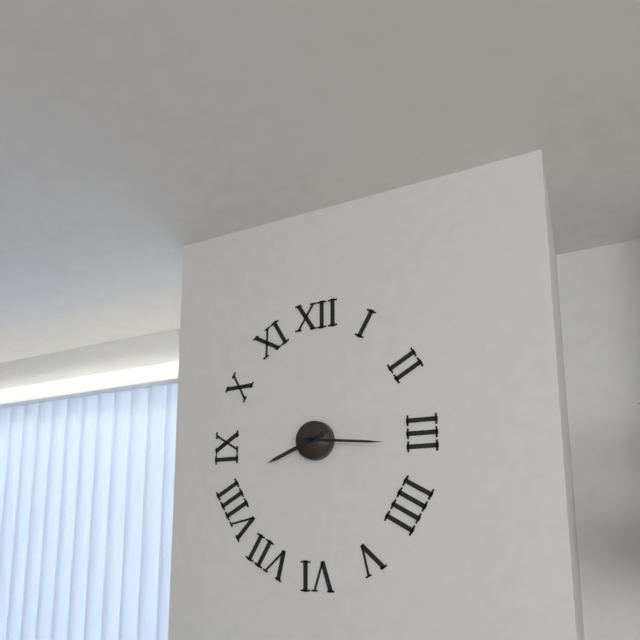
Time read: 8:16
